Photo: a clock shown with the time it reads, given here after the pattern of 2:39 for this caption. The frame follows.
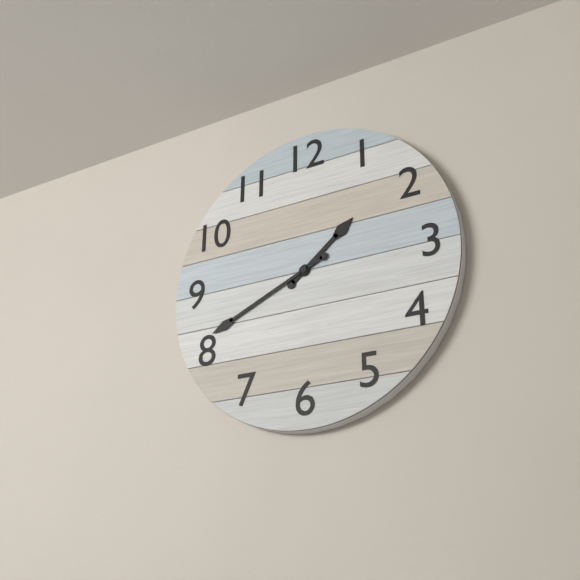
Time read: 1:41
